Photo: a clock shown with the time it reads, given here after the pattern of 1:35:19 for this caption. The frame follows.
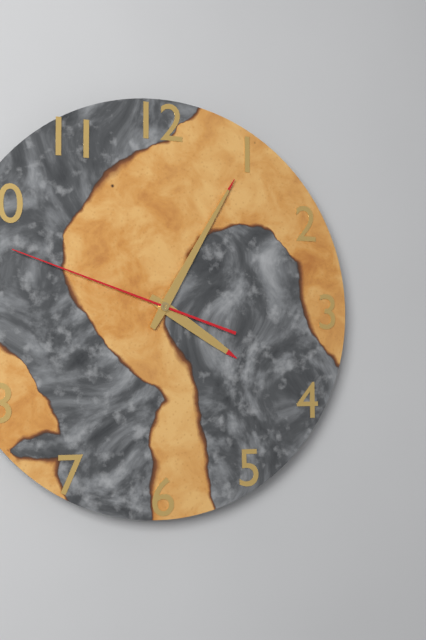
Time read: 4:05:48
